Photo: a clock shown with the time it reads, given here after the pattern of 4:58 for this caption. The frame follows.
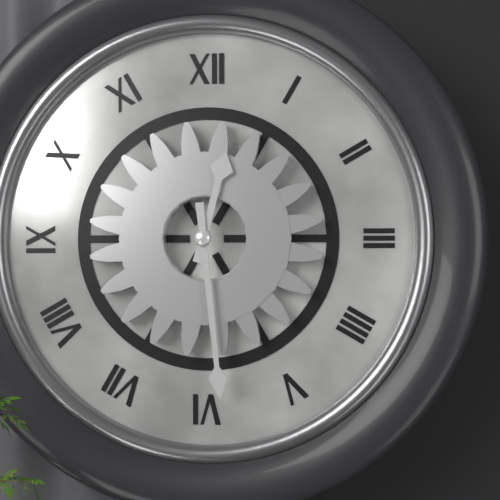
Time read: 12:29
